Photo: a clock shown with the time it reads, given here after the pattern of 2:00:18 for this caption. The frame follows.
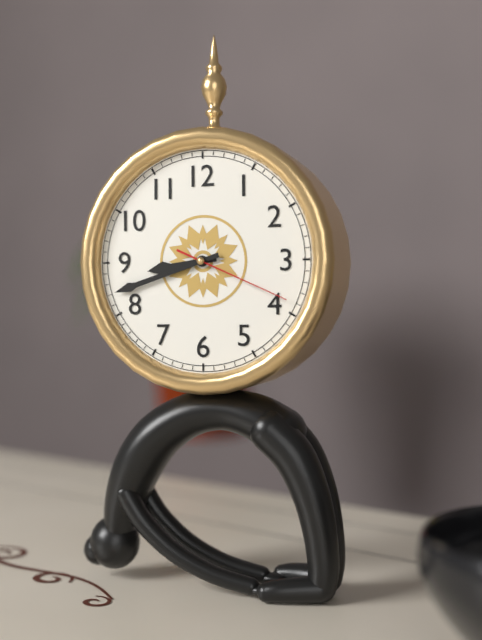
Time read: 8:42:19
